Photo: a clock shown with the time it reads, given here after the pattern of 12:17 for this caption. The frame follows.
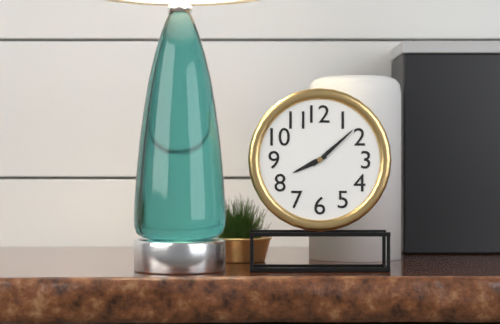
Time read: 8:08
